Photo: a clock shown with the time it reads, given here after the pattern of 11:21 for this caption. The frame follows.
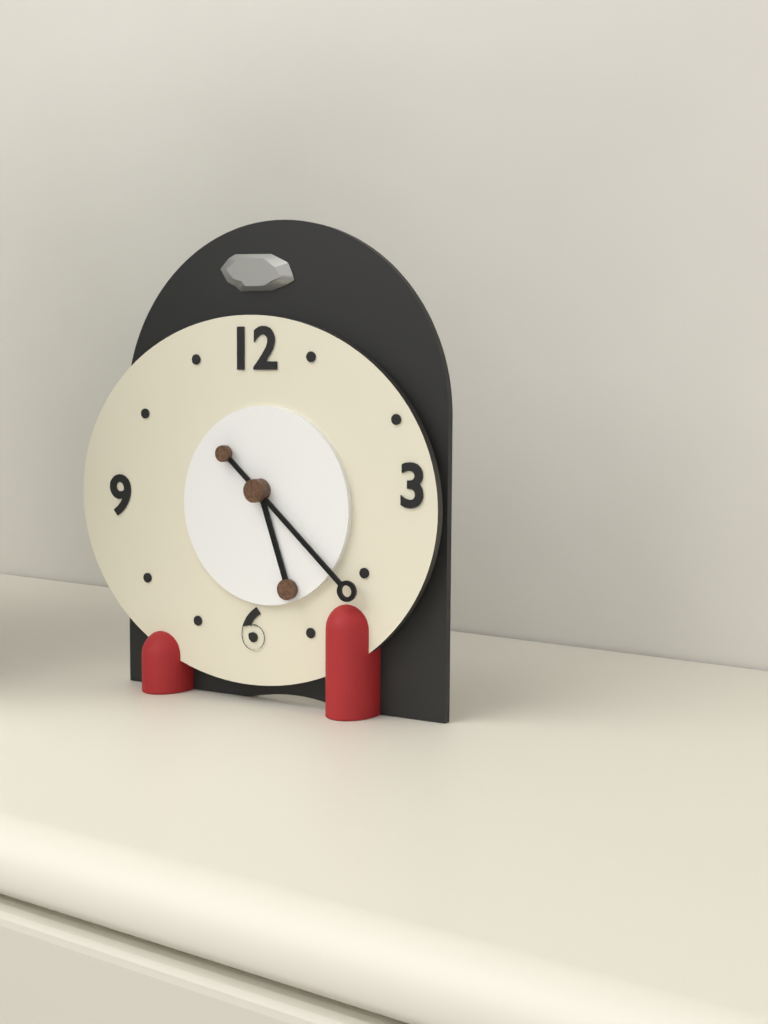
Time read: 5:22
